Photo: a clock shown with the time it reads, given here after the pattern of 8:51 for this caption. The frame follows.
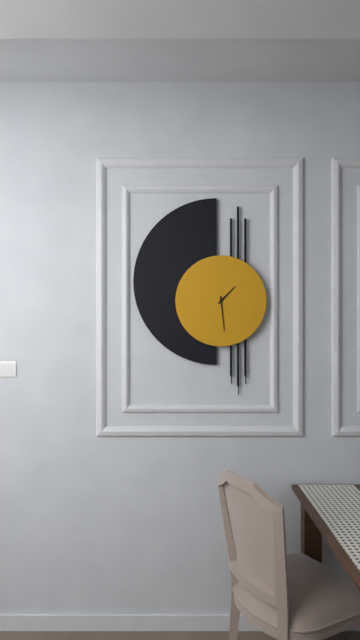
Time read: 1:29
